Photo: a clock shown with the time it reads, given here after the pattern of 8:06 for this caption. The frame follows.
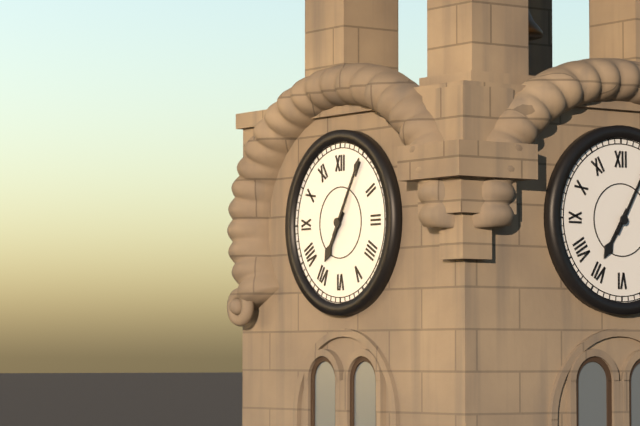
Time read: 7:05
